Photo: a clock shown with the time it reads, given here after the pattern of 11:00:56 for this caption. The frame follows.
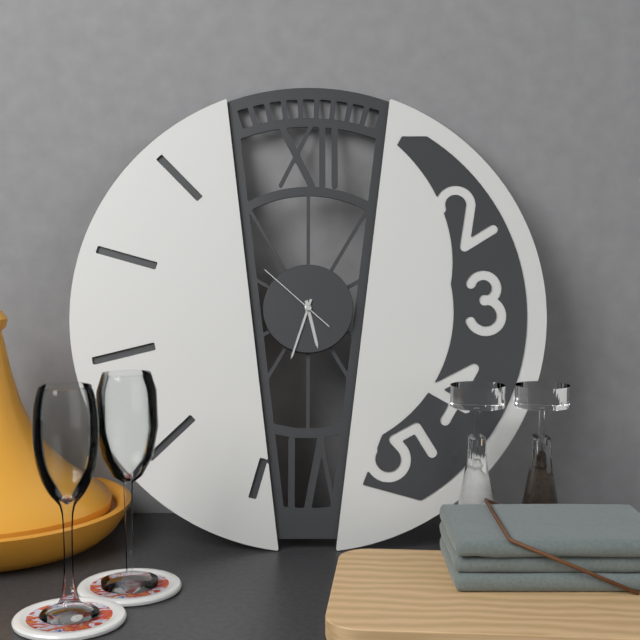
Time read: 5:33:52
